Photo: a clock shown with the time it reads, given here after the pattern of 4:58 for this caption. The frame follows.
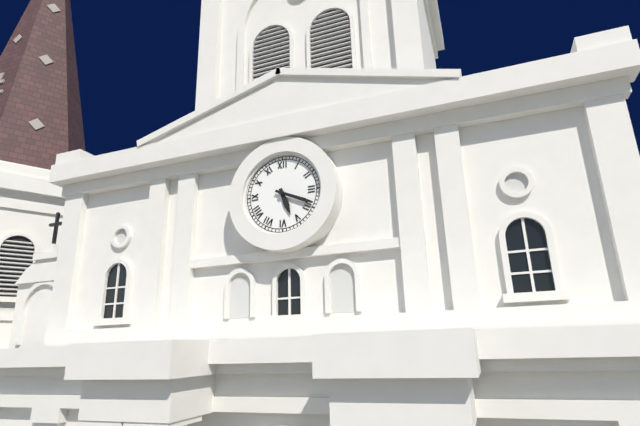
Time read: 5:19
